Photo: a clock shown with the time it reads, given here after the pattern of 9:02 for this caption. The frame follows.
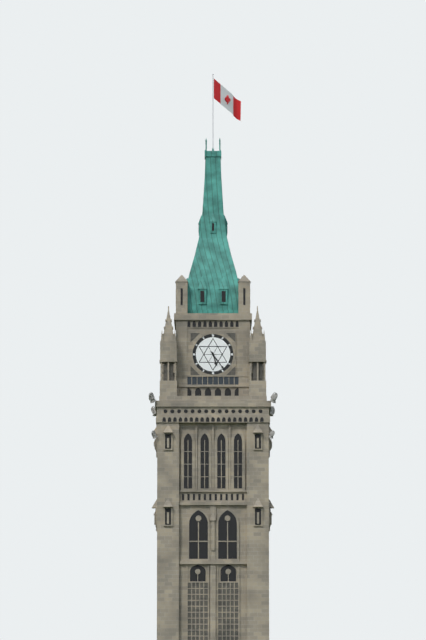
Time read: 5:24
